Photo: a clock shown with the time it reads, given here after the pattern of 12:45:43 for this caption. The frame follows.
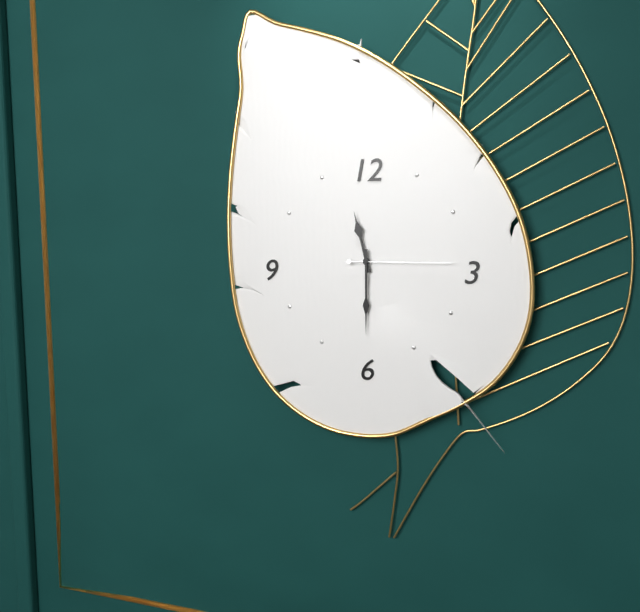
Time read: 11:30:15
